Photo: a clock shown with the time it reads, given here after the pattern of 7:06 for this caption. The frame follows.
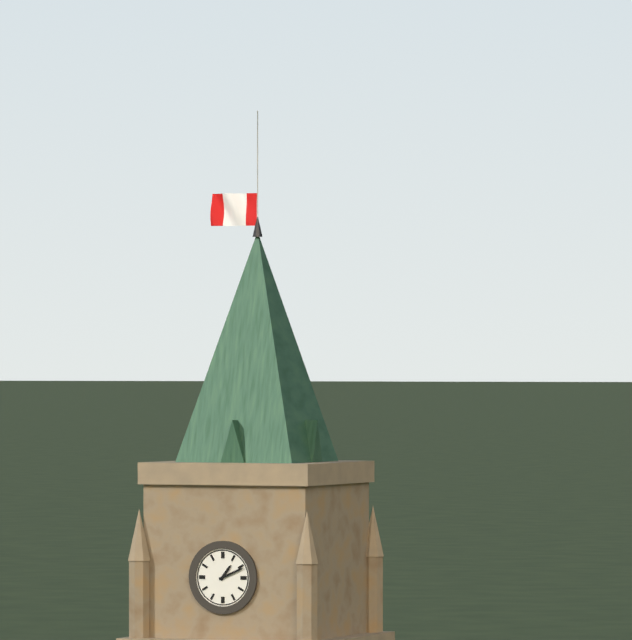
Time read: 1:11
